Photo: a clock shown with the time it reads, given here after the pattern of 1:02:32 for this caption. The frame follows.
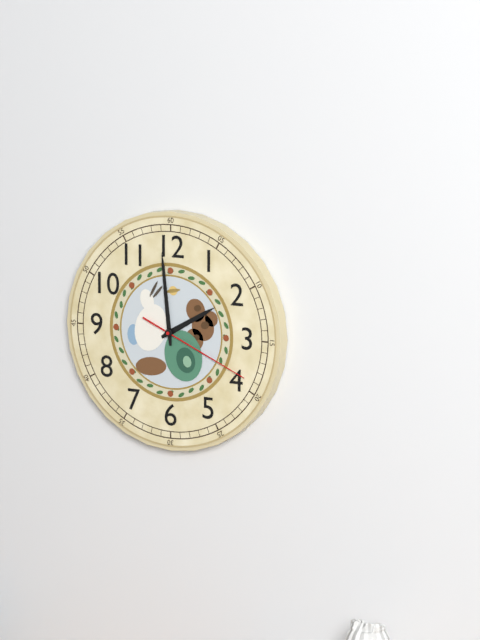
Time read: 1:59:19
